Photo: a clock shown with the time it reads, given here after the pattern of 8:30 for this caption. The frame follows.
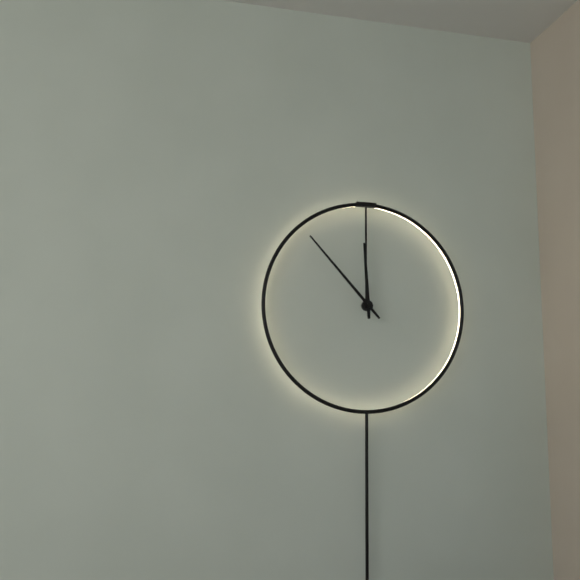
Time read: 11:53
